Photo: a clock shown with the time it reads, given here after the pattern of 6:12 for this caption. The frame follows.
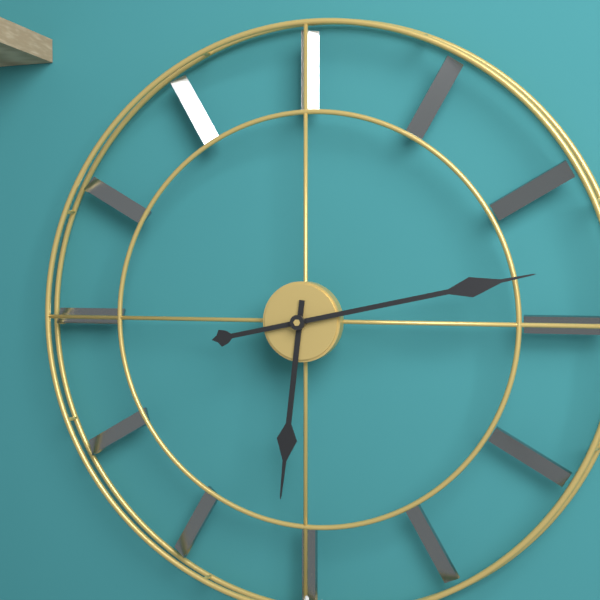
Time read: 6:13
